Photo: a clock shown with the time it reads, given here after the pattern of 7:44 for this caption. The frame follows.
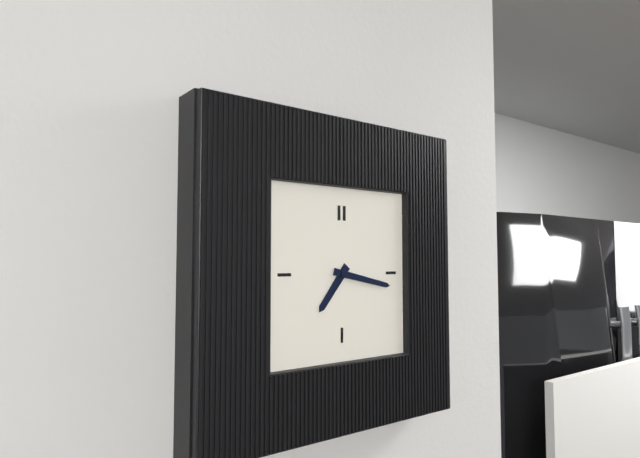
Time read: 7:17
